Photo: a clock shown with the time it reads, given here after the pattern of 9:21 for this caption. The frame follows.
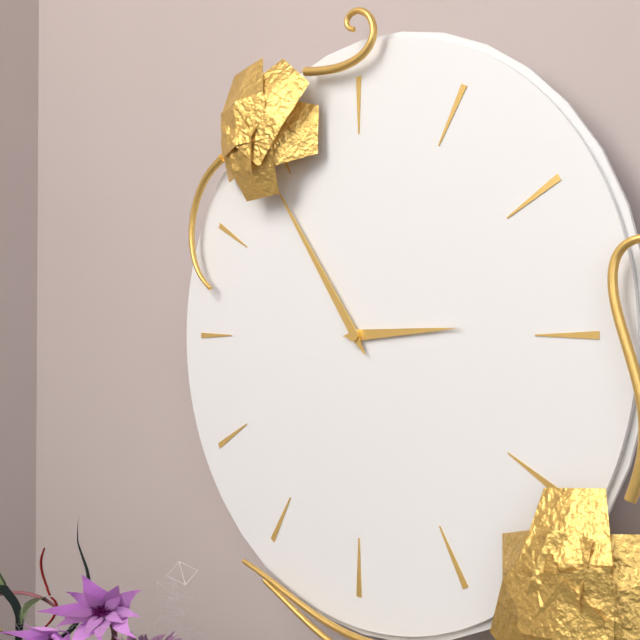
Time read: 2:54
